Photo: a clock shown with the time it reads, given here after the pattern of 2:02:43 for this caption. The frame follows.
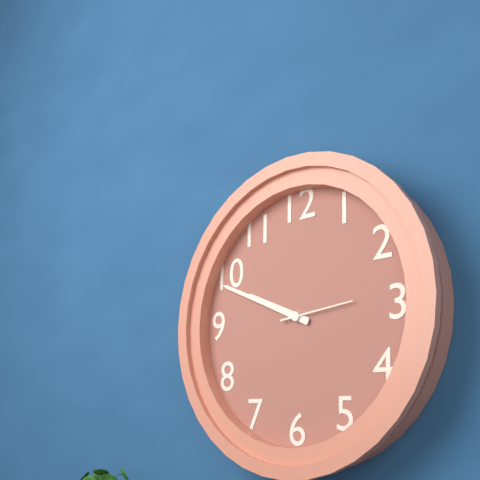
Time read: 9:49:14
